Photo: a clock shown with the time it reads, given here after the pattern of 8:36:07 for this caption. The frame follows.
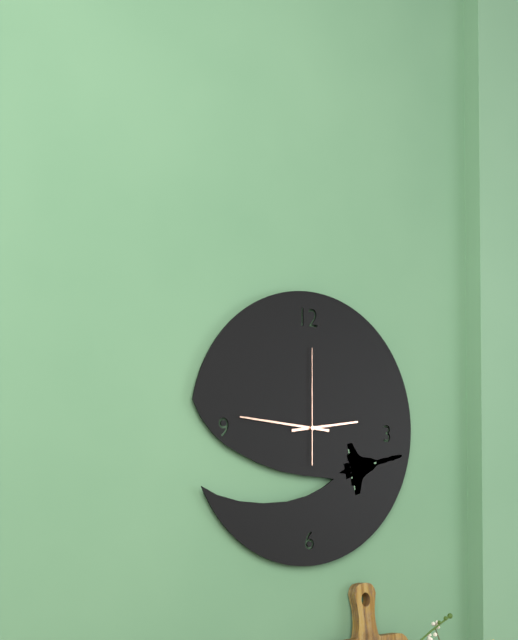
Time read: 2:46:00
